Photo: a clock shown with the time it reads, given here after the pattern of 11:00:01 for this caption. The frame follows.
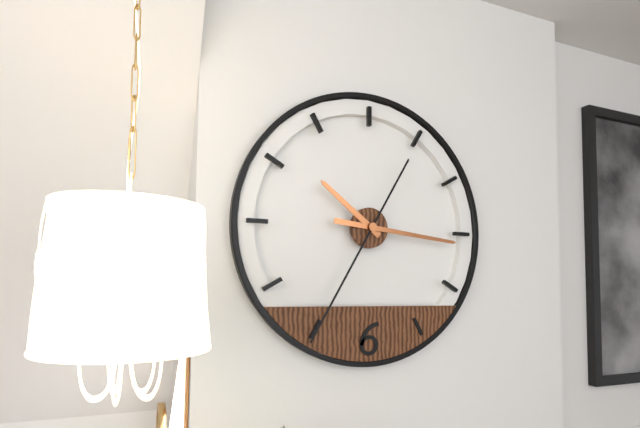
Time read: 10:16:35
